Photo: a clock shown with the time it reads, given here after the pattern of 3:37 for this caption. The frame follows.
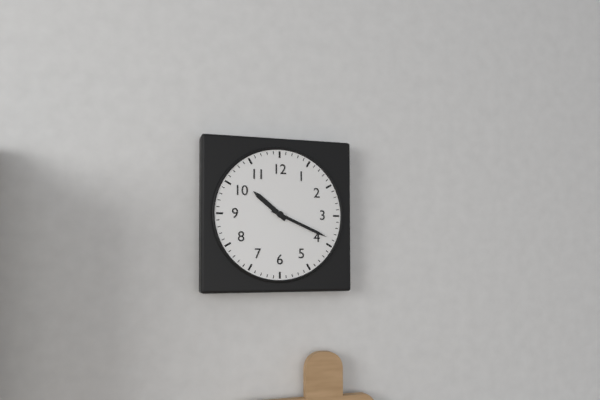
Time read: 10:19
